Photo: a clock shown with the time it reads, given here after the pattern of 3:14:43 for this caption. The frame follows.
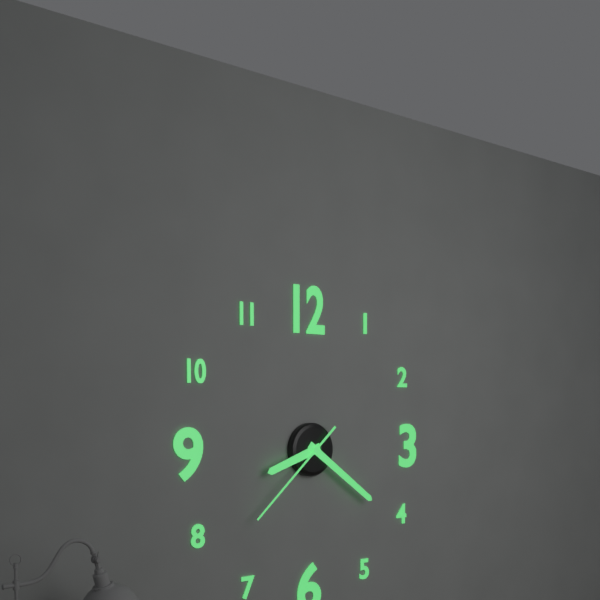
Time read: 8:21:38
